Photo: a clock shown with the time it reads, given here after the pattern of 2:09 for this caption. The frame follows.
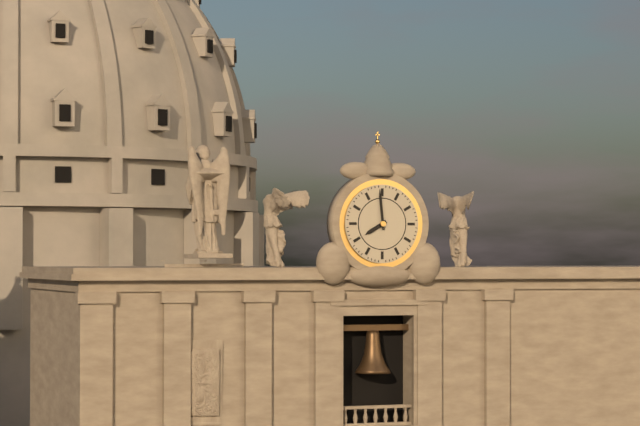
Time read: 7:59
